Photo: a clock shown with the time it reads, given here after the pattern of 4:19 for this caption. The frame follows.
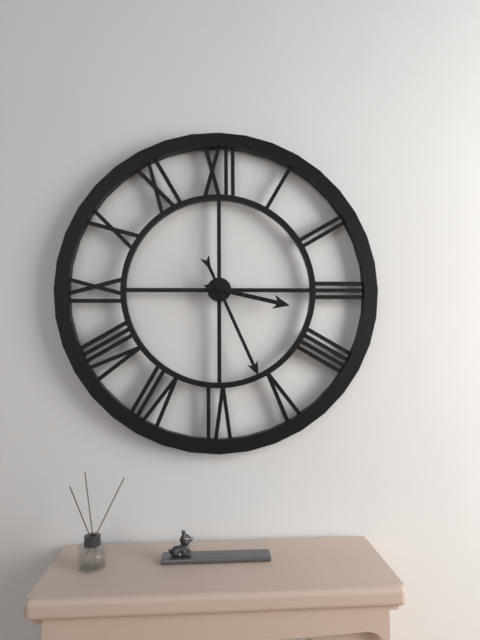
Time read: 3:26
